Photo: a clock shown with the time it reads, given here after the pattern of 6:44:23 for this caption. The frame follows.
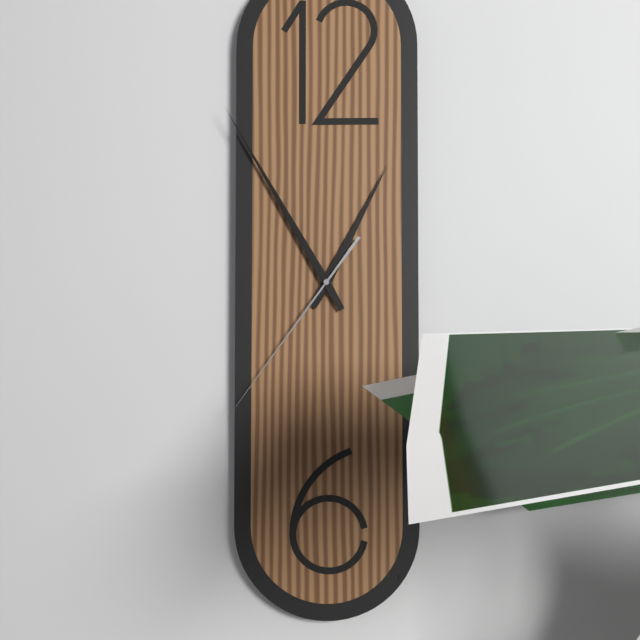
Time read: 12:55:36
